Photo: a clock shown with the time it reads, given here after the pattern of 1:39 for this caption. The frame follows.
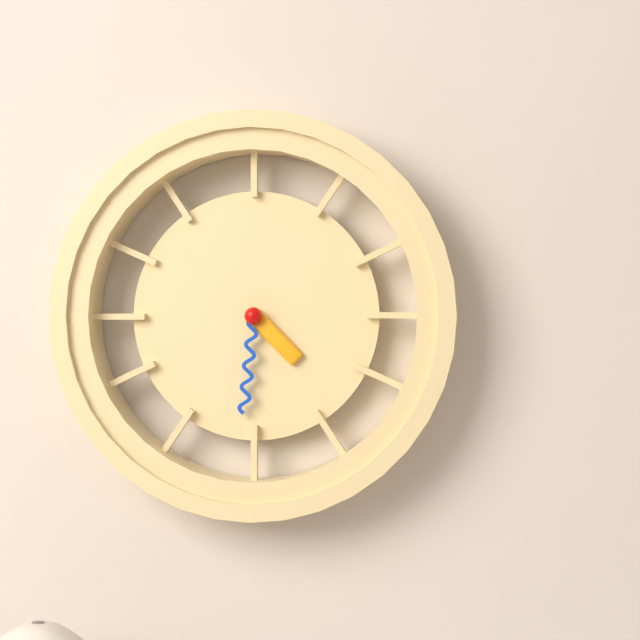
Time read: 4:31
